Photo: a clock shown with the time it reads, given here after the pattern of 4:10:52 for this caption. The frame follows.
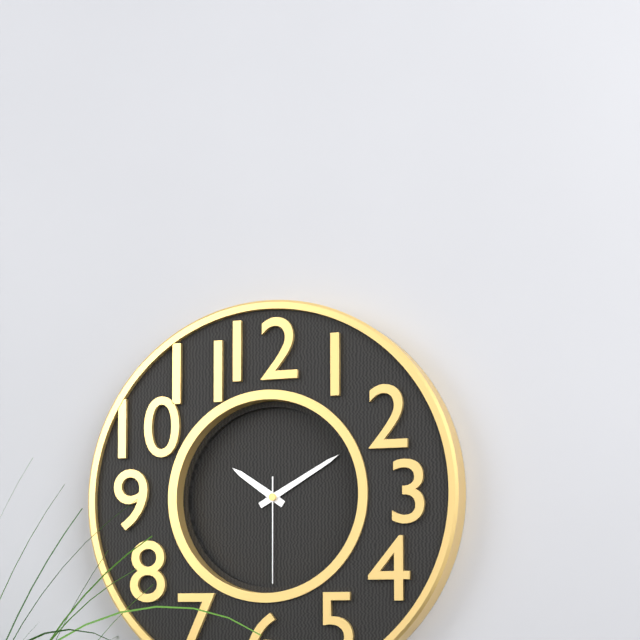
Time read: 10:10:30
